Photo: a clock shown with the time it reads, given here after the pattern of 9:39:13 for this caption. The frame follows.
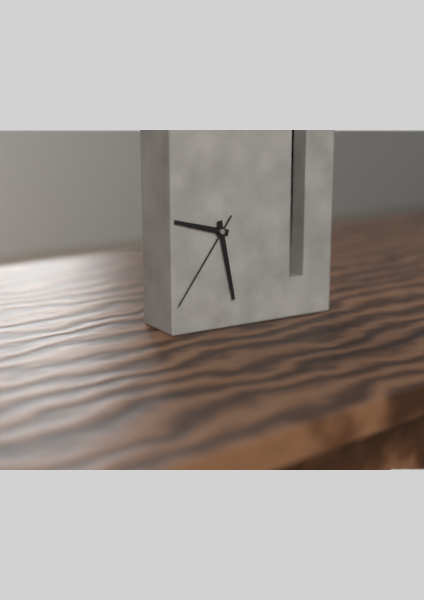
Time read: 9:28:36
